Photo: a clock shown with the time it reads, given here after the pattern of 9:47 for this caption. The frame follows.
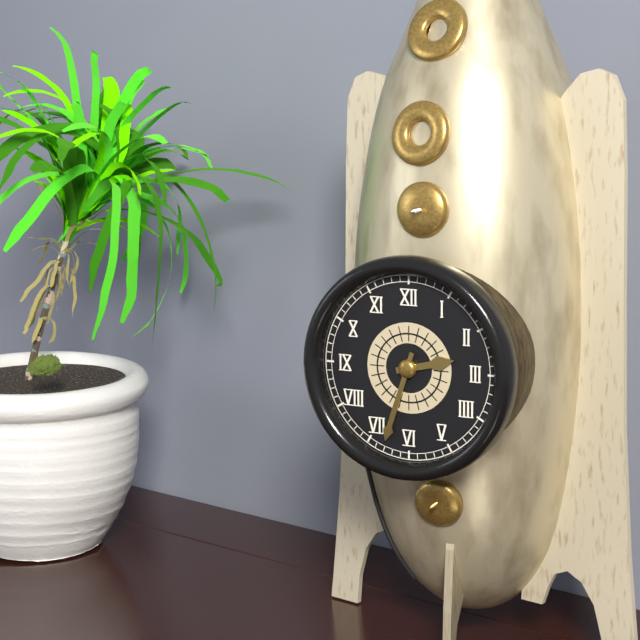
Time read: 2:33
